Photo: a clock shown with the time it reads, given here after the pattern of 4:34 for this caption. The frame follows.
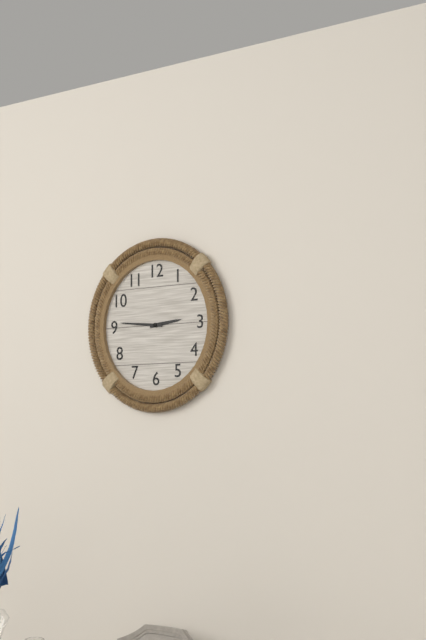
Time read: 2:46
